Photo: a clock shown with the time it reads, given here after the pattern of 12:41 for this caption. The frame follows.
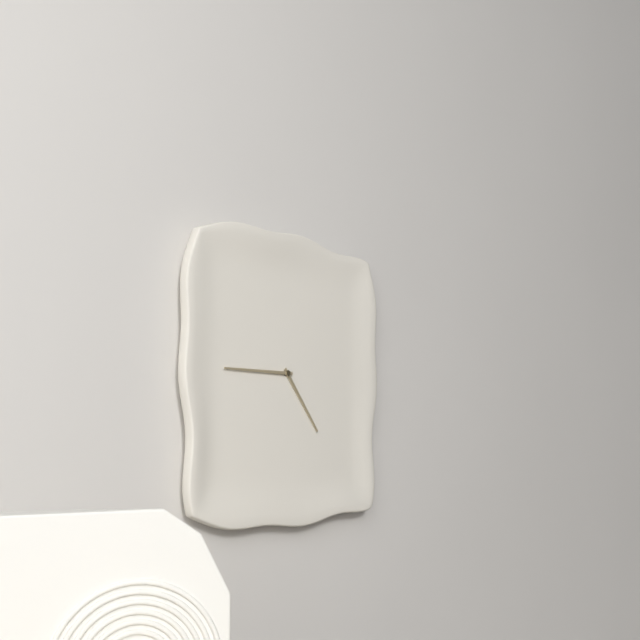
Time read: 4:45
